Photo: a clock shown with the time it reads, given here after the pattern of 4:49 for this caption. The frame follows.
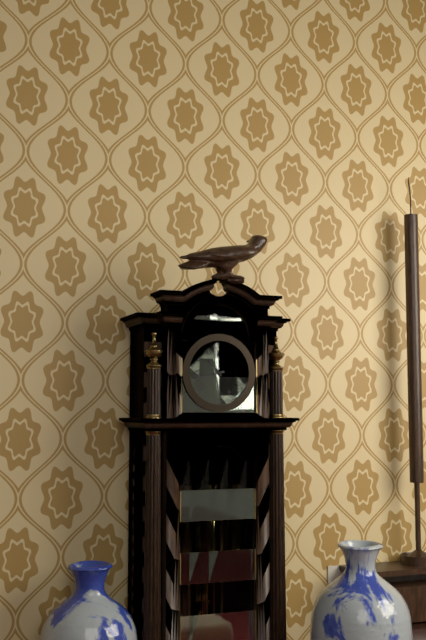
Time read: 10:43
